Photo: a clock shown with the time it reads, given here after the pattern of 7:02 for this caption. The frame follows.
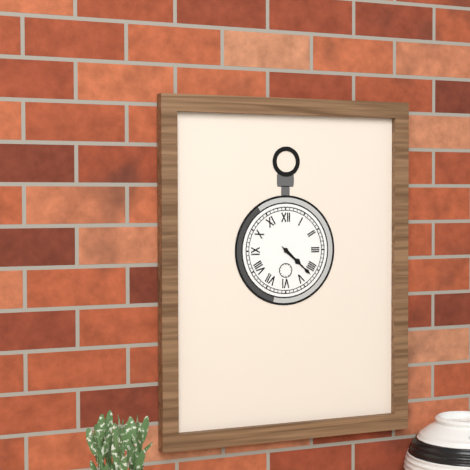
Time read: 4:22
